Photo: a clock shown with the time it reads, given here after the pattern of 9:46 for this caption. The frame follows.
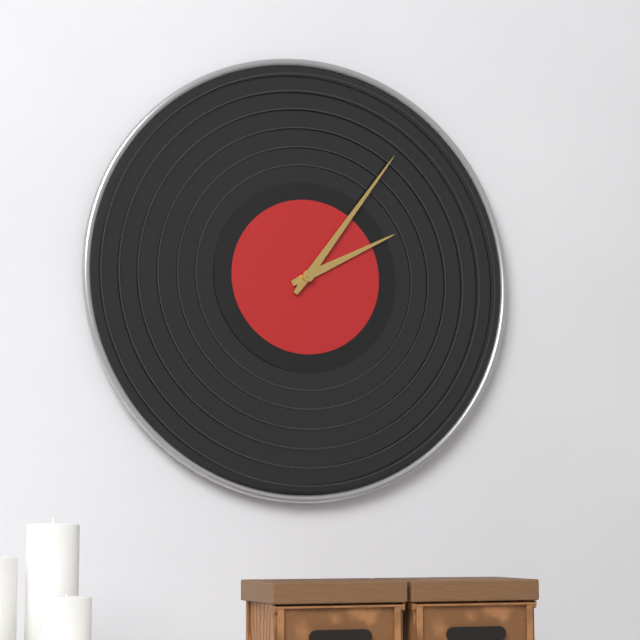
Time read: 2:06
